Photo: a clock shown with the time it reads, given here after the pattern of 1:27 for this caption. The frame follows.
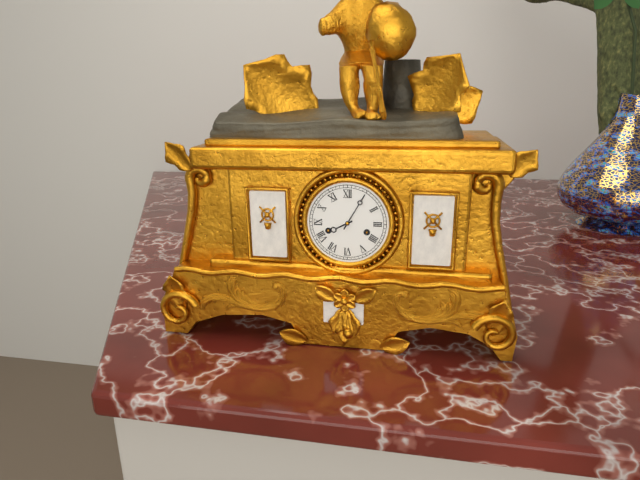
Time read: 8:05
